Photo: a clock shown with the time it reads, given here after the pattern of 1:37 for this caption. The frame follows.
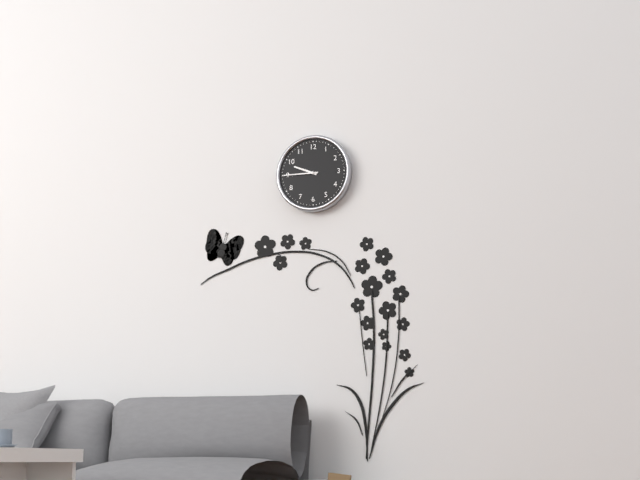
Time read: 9:45
